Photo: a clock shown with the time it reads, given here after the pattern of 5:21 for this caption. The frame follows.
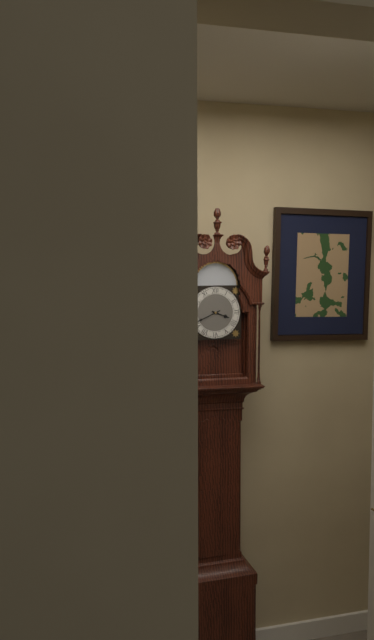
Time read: 3:41
